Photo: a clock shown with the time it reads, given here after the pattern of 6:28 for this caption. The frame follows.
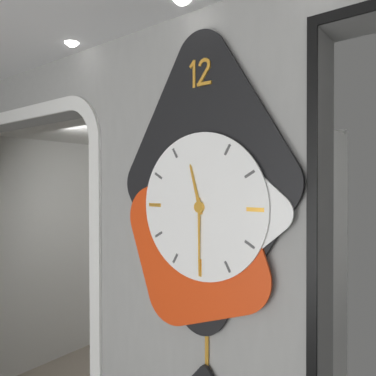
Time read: 11:30
